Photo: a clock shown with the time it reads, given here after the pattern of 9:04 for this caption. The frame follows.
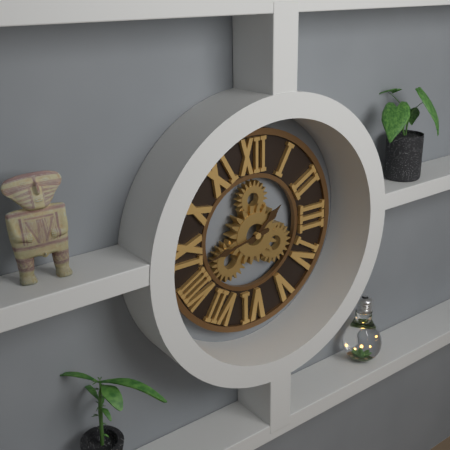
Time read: 1:43
